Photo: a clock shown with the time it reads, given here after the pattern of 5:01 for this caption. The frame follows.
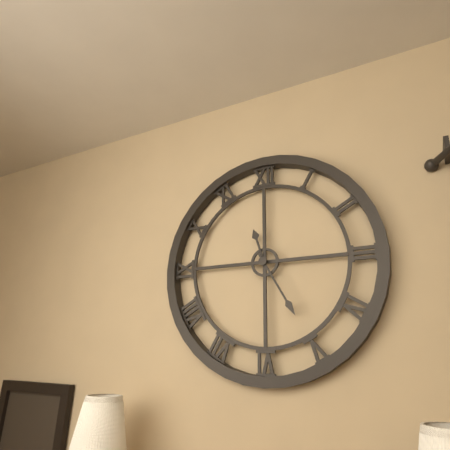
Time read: 11:25
